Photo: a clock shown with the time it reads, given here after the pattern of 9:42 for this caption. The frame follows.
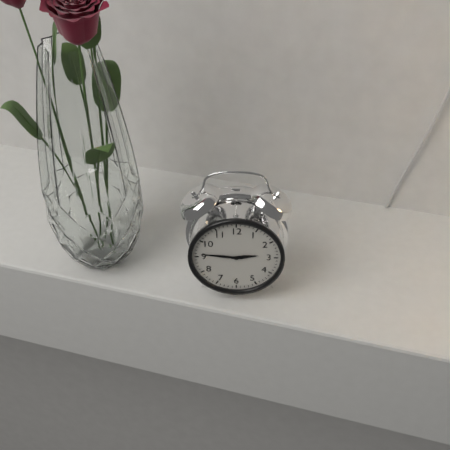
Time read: 2:46
